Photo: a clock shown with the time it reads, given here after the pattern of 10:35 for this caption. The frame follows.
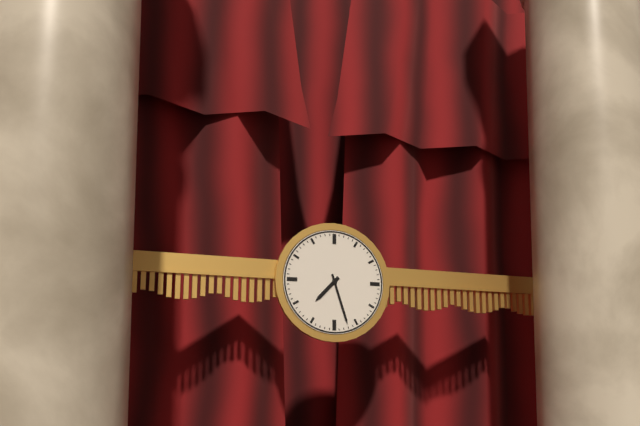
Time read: 7:27
